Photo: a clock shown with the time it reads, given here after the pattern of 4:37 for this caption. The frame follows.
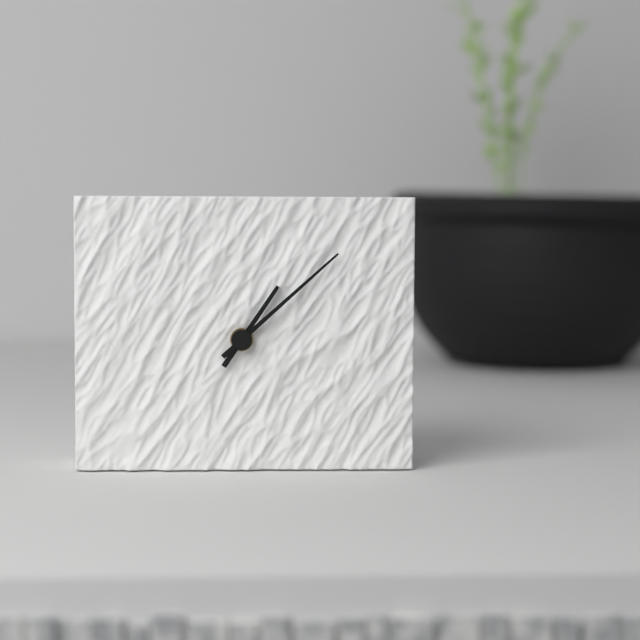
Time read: 1:08
